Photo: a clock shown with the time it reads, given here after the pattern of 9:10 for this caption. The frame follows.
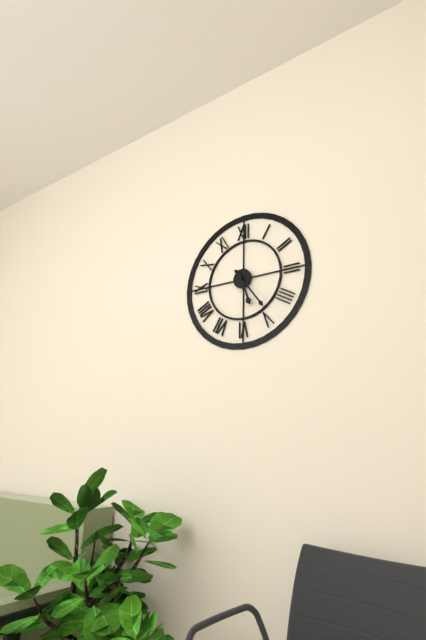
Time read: 5:24
